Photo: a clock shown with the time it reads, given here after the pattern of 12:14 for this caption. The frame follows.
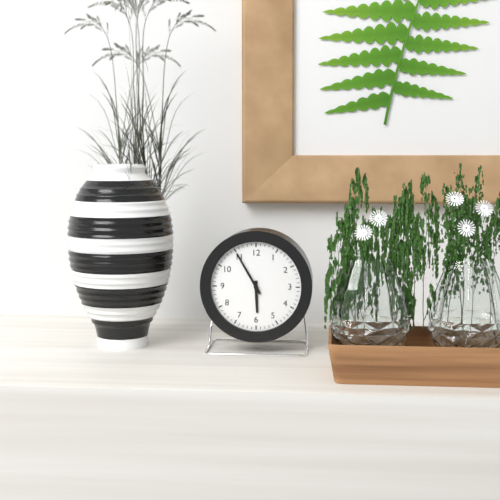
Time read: 5:55
